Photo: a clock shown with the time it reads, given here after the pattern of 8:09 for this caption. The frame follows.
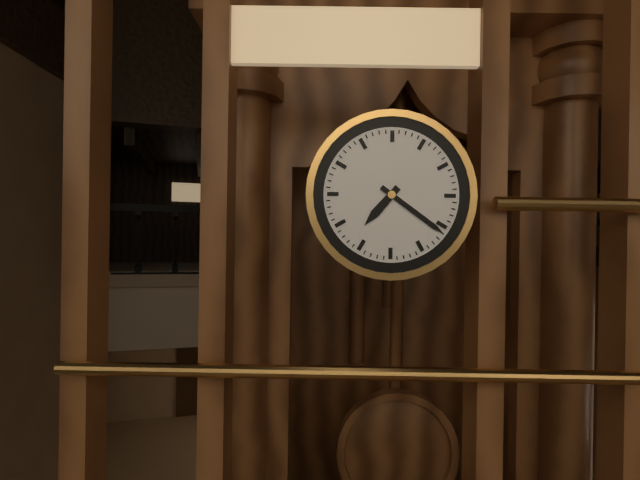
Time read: 7:21
